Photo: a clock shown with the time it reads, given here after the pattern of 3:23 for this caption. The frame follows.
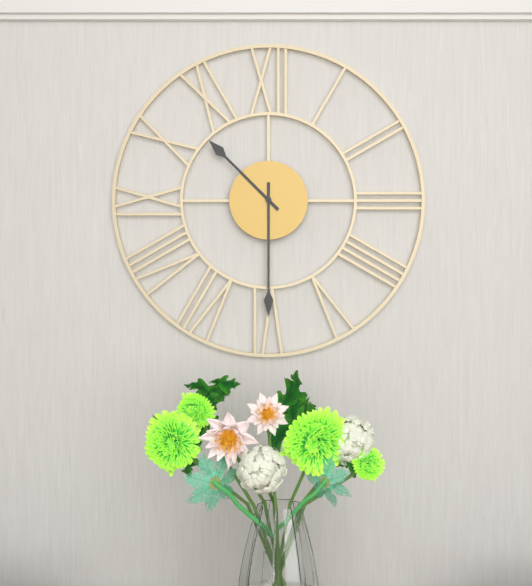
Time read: 10:30
